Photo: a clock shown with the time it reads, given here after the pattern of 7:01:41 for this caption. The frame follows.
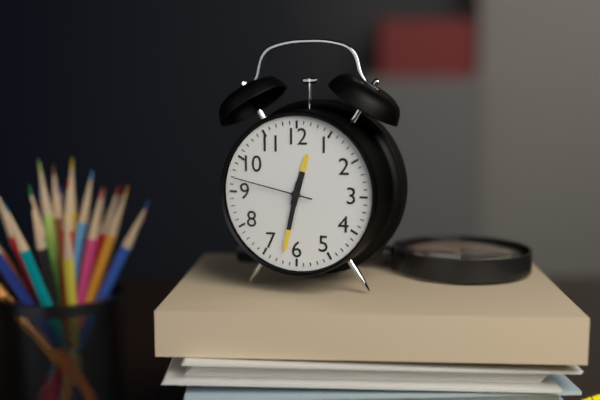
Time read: 12:32:47
